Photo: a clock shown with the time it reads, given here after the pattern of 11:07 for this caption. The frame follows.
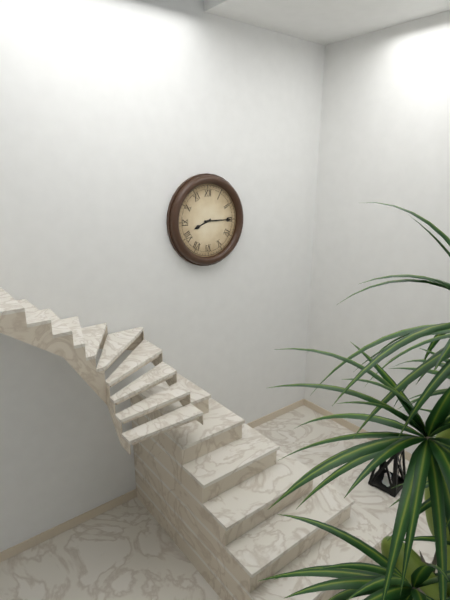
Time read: 8:15
